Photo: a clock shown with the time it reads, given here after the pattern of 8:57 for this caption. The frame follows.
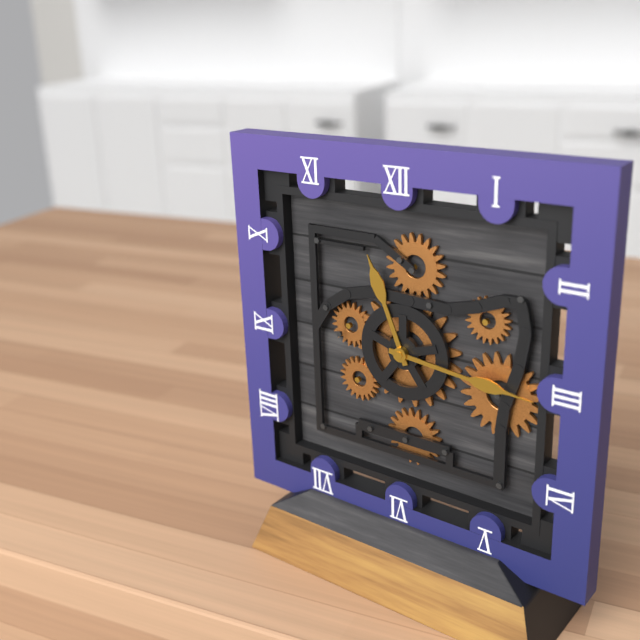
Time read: 11:16
